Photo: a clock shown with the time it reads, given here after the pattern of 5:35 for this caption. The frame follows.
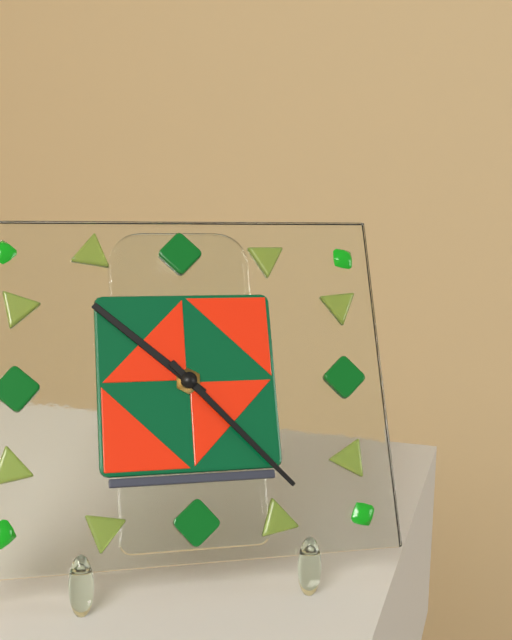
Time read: 10:23
